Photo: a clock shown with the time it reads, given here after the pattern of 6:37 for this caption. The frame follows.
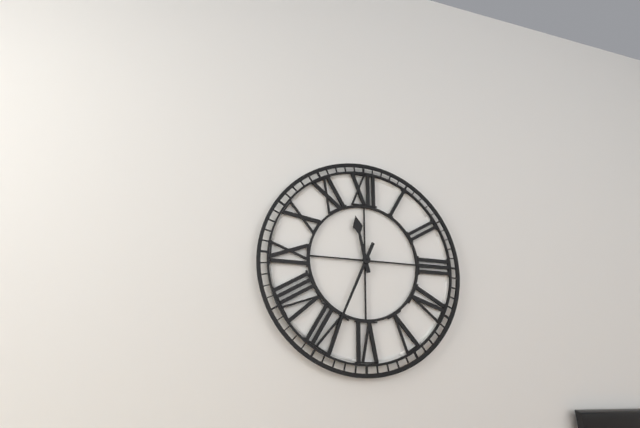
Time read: 11:34
